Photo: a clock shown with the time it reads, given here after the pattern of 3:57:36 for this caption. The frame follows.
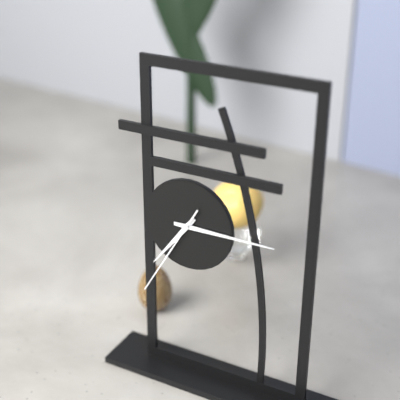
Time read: 7:15:35
